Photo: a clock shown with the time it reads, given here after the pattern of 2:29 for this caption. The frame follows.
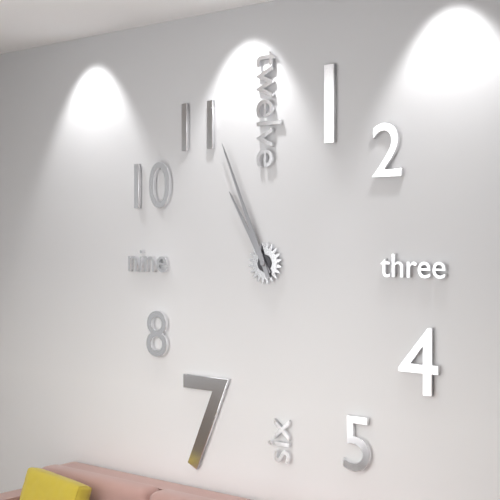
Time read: 10:56
